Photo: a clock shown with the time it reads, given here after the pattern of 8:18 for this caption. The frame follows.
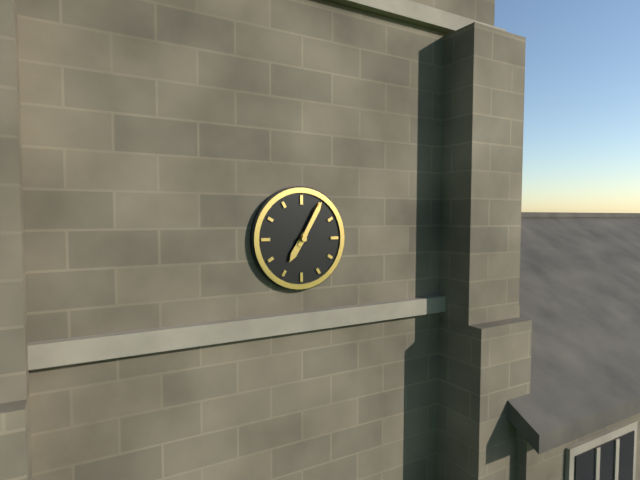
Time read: 7:05
